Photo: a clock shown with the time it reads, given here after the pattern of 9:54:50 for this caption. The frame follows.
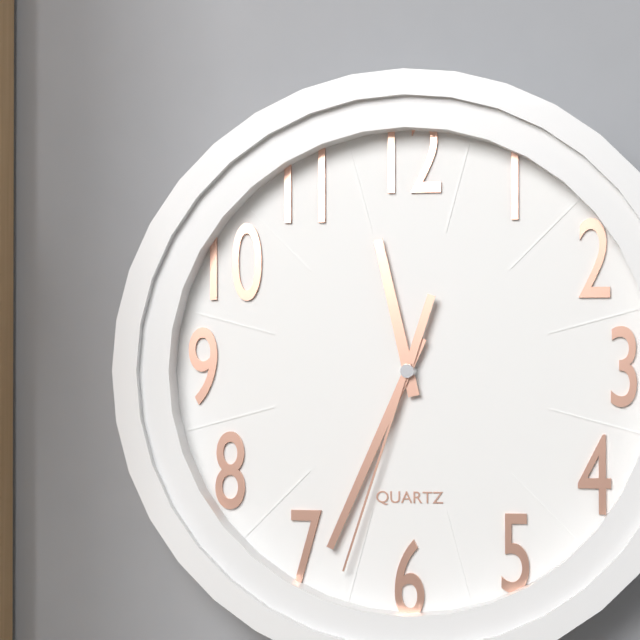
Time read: 11:34:33
